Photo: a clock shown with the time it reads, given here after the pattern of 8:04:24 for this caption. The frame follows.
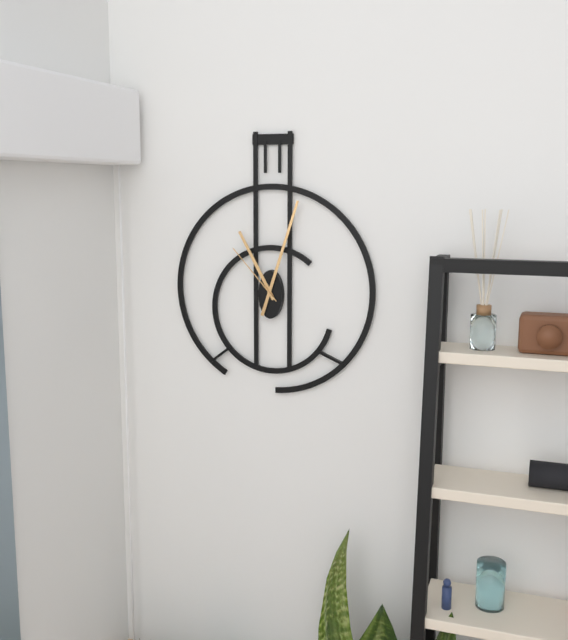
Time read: 11:03:53
